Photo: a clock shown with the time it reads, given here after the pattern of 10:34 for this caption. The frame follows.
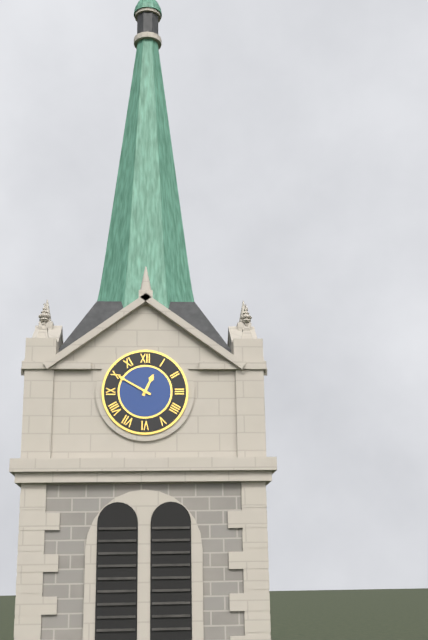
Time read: 12:50
